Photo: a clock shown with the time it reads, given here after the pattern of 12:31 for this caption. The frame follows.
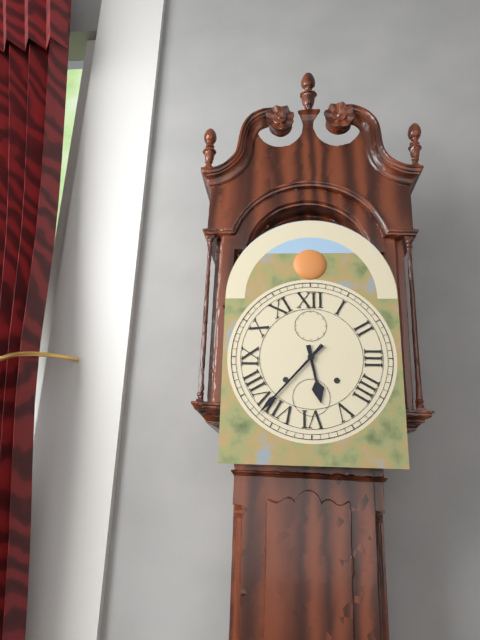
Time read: 5:37
